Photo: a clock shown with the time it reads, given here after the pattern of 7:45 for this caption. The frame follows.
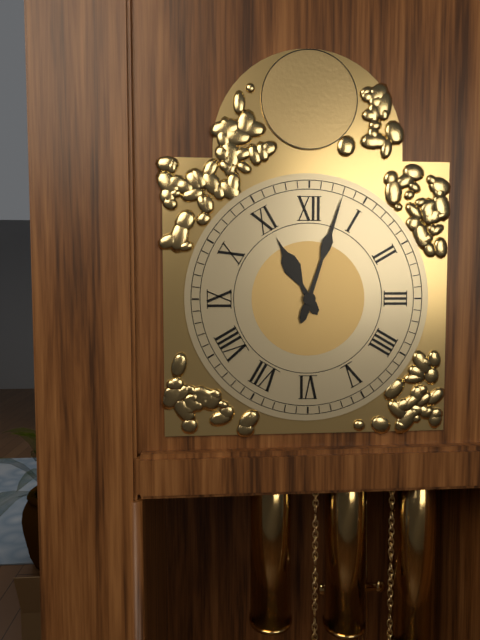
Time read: 11:03
